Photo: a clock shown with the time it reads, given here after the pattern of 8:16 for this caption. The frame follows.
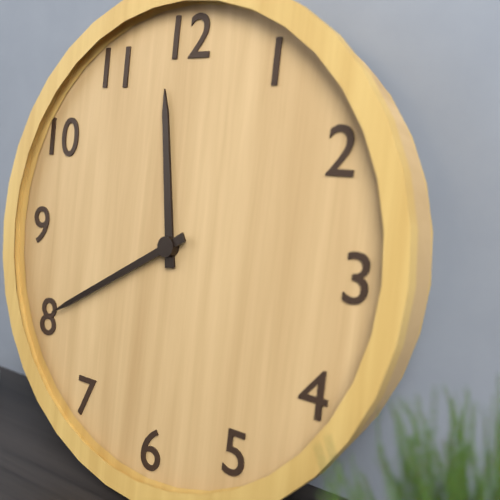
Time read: 11:40
